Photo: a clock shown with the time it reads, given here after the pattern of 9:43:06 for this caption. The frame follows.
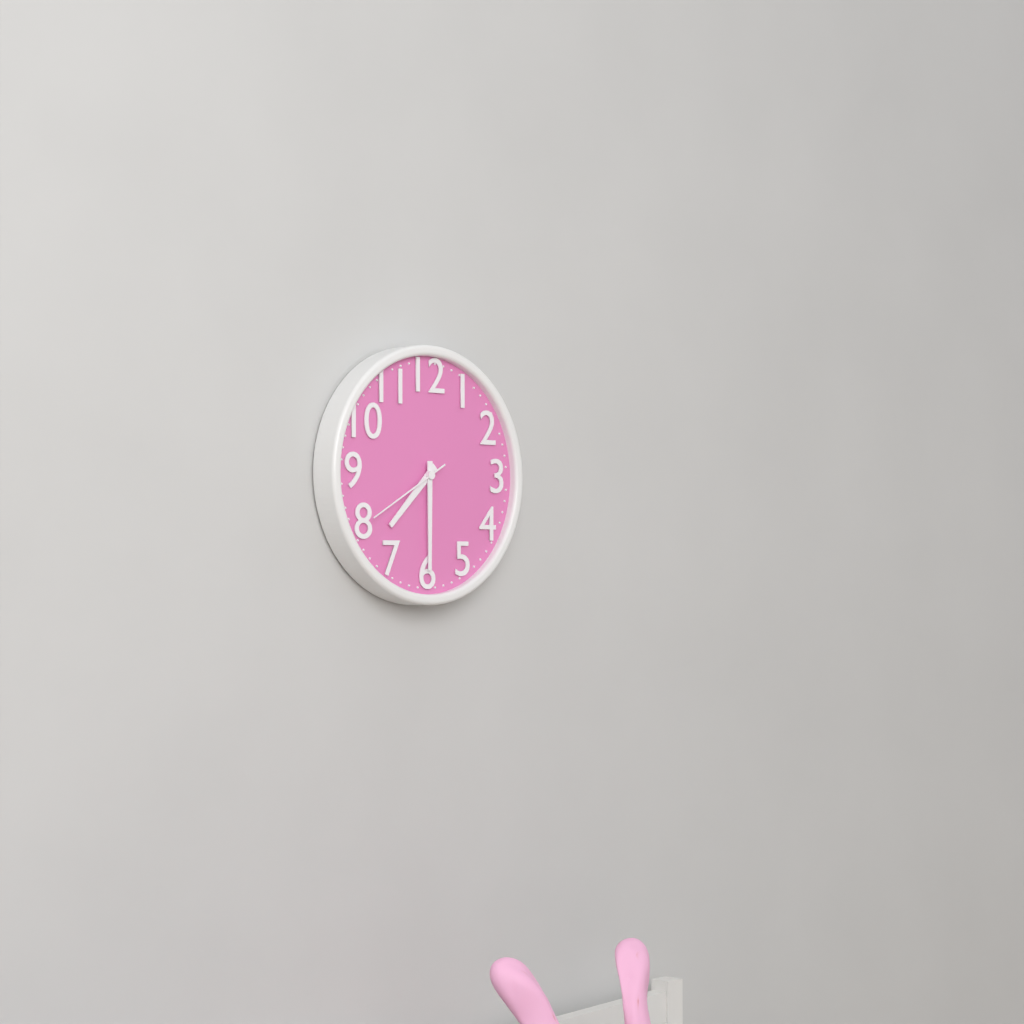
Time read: 7:30:40
